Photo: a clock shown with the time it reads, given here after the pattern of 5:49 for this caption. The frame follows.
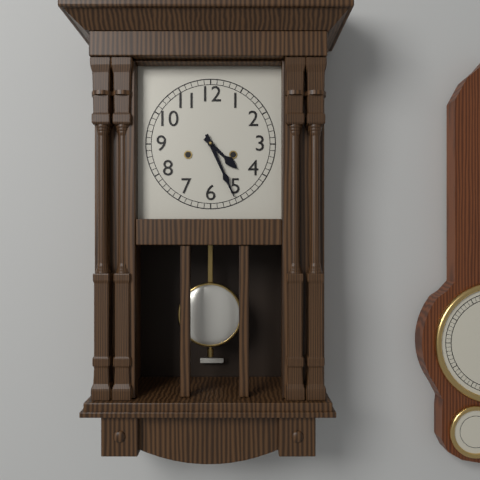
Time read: 4:26
